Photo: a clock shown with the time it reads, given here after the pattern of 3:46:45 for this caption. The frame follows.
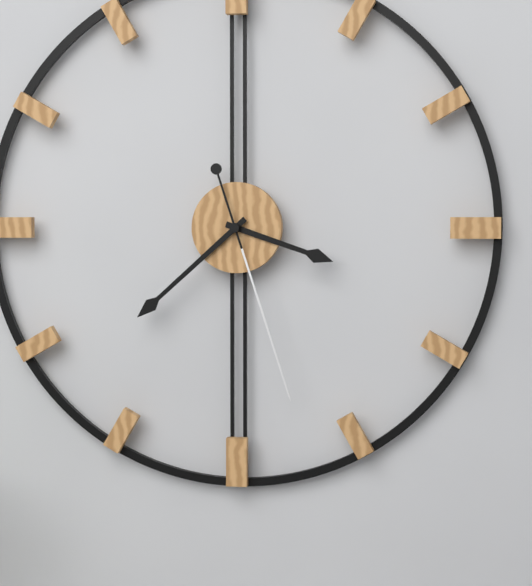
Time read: 3:38:27
